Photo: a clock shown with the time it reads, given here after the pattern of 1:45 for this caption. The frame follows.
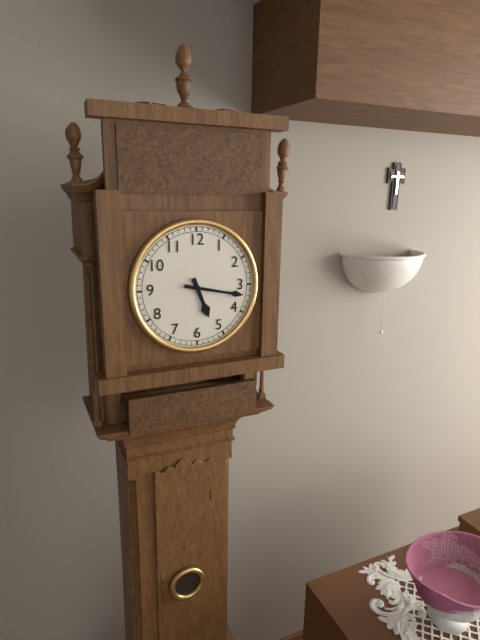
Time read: 5:17
